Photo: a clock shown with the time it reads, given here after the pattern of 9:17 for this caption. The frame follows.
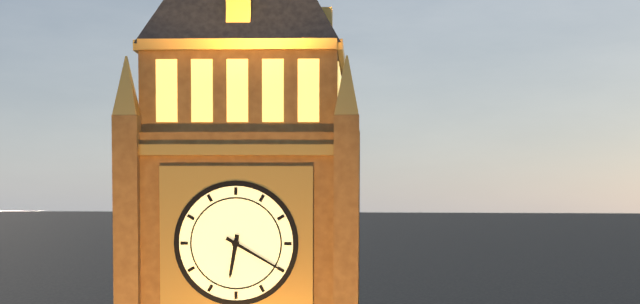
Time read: 6:20
